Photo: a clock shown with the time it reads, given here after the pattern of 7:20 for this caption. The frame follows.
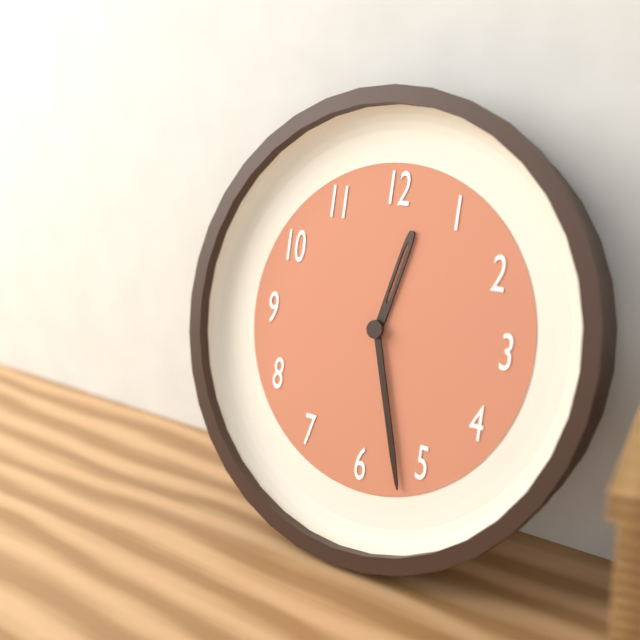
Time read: 12:27
